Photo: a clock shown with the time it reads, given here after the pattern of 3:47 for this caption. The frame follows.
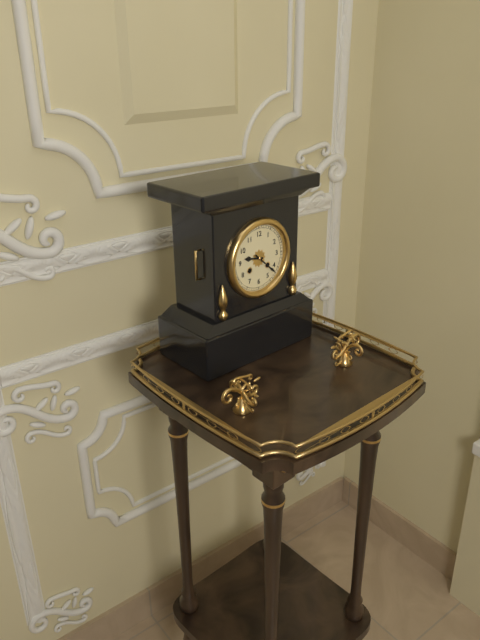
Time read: 9:22
